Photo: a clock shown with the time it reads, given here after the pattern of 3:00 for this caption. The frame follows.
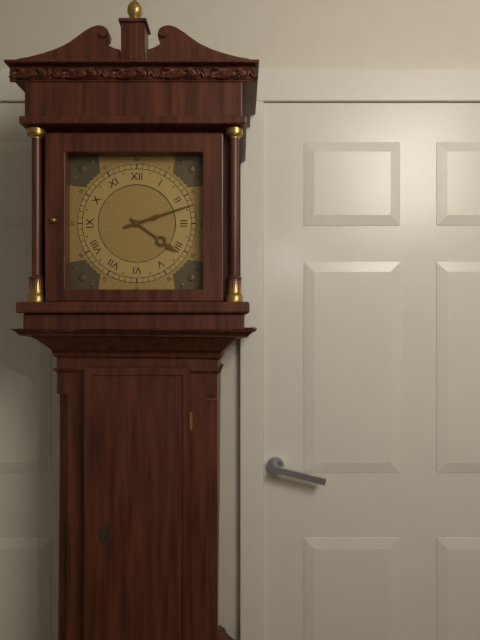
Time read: 4:12
